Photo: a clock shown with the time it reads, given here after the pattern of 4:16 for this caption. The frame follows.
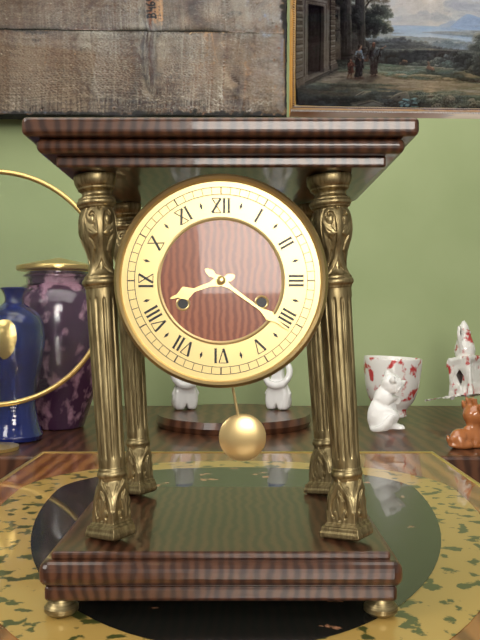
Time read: 8:21
